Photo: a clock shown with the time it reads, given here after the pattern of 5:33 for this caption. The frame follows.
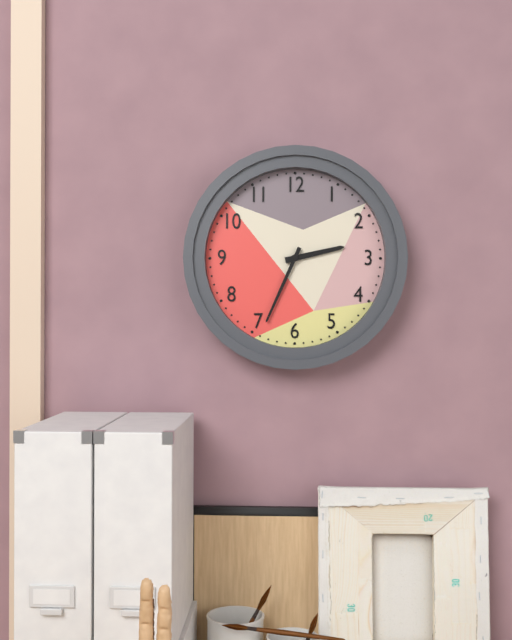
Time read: 2:34
